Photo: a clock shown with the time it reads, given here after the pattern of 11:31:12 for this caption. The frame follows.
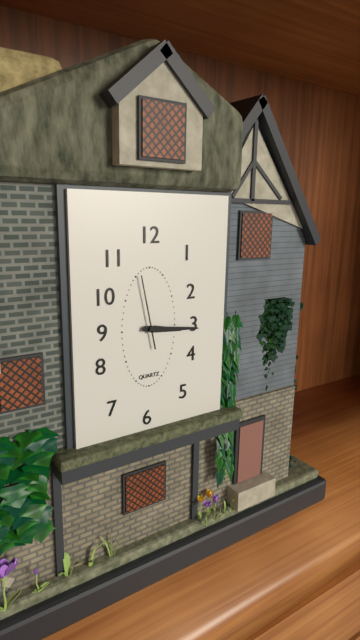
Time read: 3:16:58
